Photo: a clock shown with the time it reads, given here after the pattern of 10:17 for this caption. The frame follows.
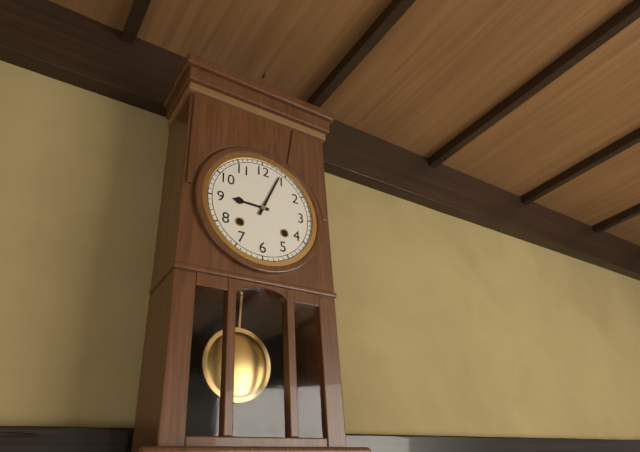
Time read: 9:04
